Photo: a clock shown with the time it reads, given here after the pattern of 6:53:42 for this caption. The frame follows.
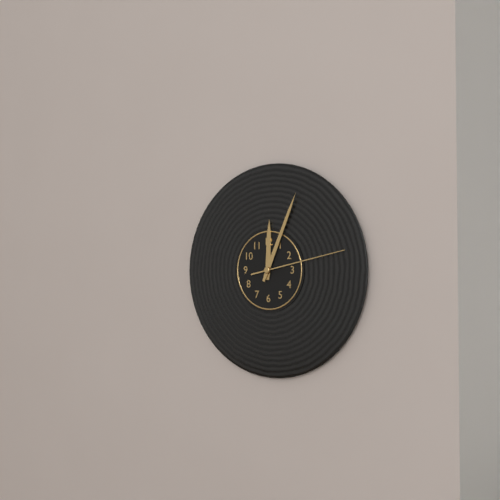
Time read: 12:04:13
